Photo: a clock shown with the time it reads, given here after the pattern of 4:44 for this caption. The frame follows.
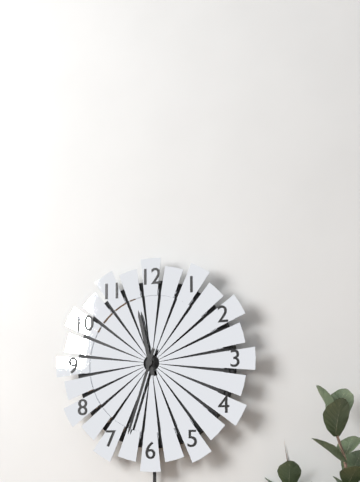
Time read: 11:33
